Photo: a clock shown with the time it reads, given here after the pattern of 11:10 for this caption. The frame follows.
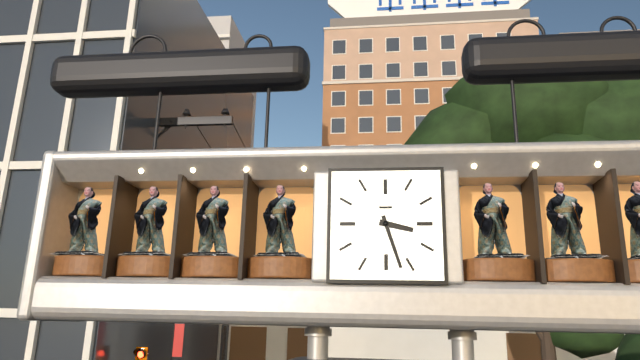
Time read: 3:27
